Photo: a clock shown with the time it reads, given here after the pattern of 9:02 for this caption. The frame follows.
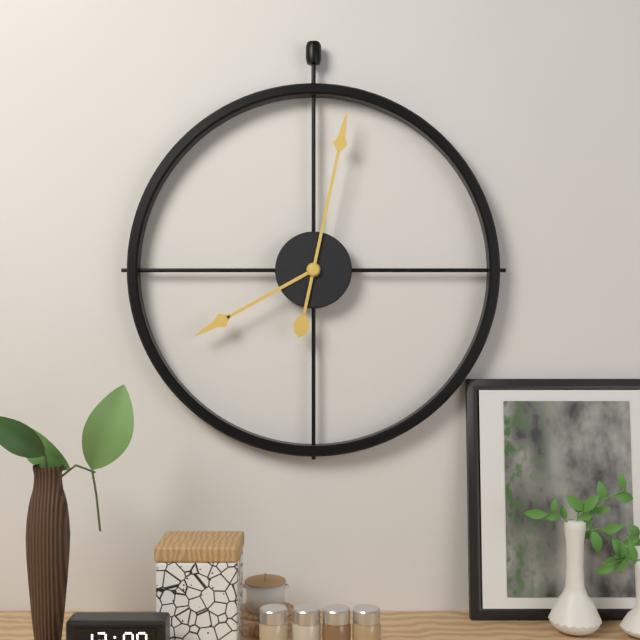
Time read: 8:02
